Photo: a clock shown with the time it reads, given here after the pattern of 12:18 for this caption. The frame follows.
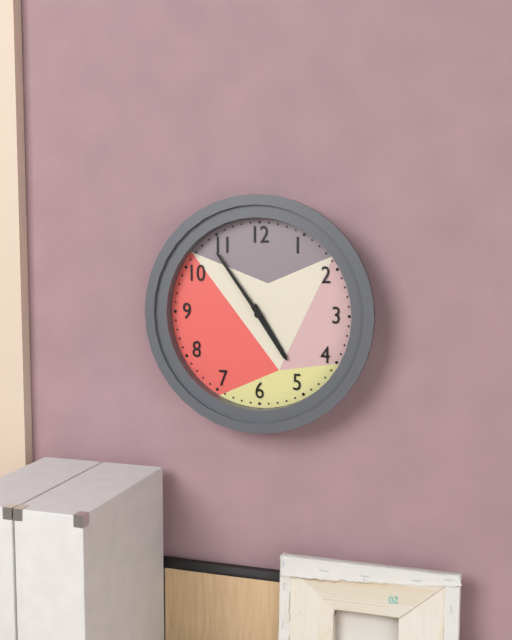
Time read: 4:54
